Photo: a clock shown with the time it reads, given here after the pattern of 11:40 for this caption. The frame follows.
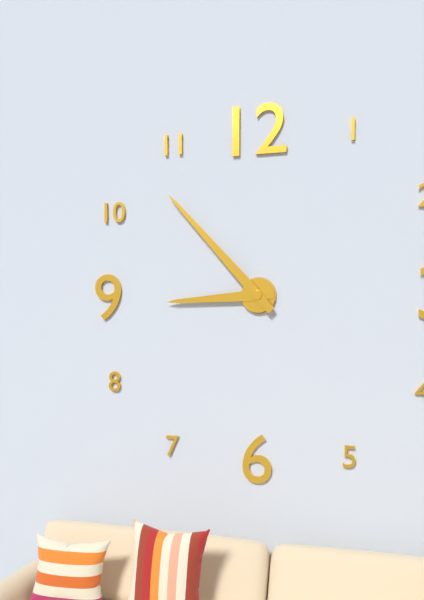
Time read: 8:53
